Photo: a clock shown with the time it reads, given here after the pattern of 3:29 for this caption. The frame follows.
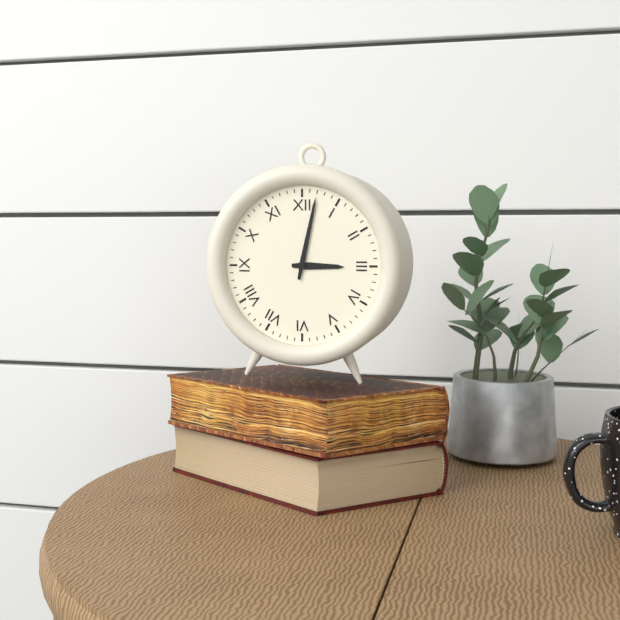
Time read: 3:02
